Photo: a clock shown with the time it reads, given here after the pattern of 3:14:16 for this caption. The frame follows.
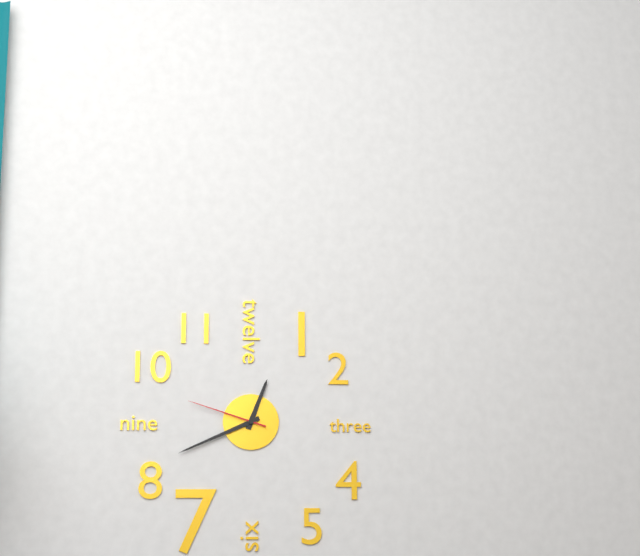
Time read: 12:41:48
